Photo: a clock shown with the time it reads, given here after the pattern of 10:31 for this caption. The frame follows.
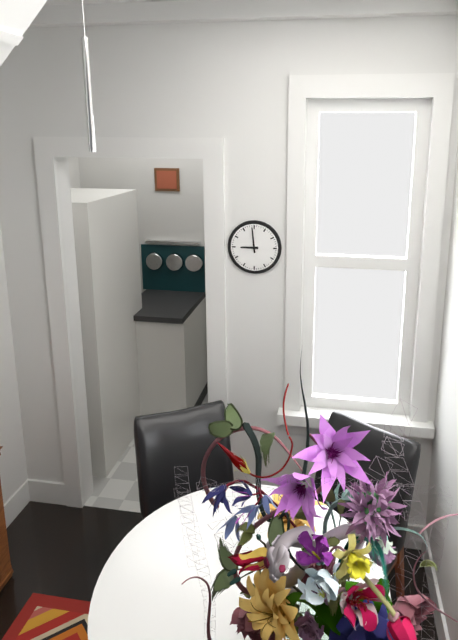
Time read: 8:59
